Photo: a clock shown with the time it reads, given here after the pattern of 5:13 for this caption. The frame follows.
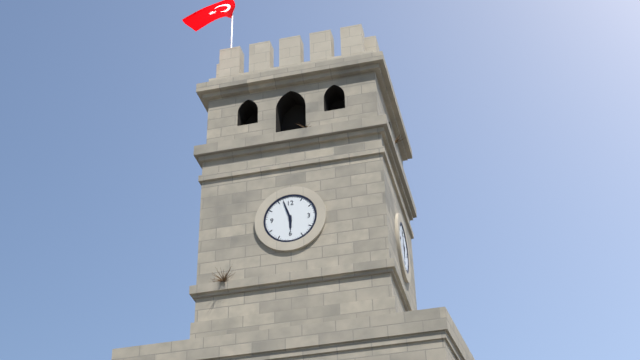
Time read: 5:57
